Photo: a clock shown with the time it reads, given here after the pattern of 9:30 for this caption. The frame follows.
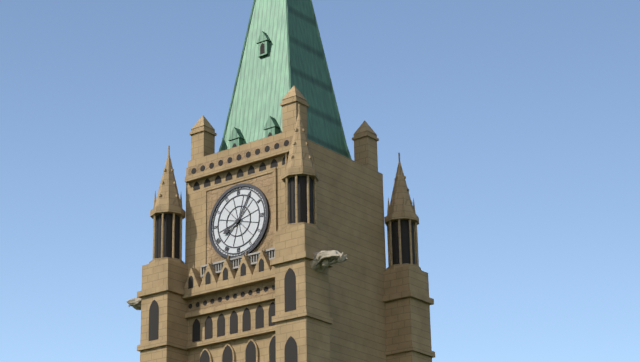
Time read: 8:05
